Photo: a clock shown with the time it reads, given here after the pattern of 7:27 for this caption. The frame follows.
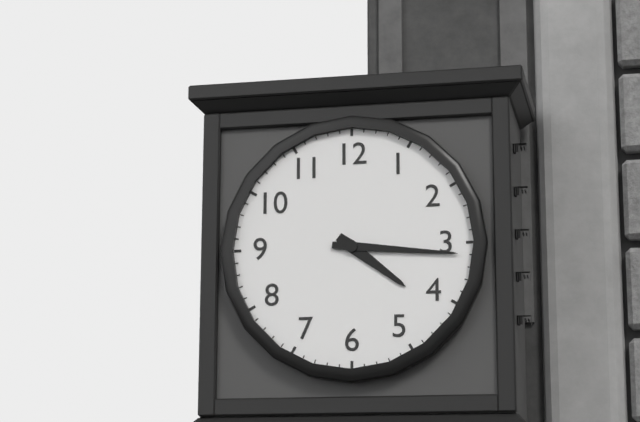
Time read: 4:16
